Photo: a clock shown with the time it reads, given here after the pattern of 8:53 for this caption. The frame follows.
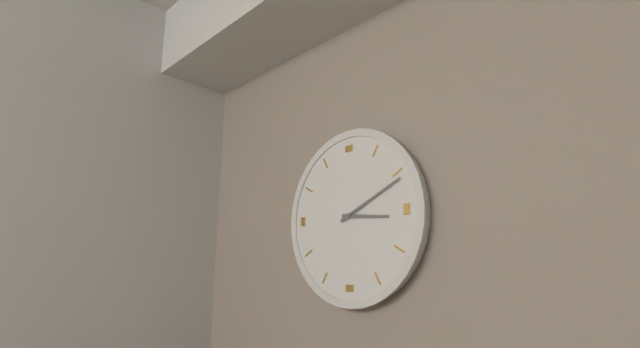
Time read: 3:11
